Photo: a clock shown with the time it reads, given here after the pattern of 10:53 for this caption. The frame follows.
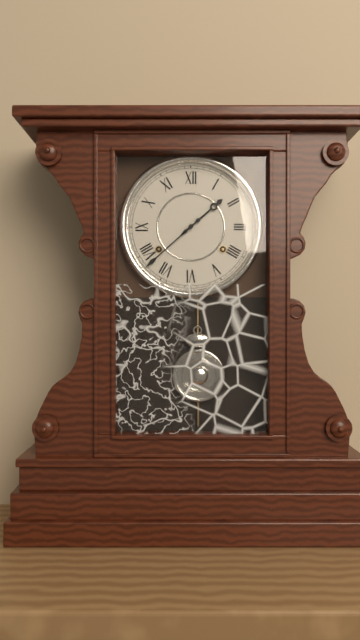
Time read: 1:38
